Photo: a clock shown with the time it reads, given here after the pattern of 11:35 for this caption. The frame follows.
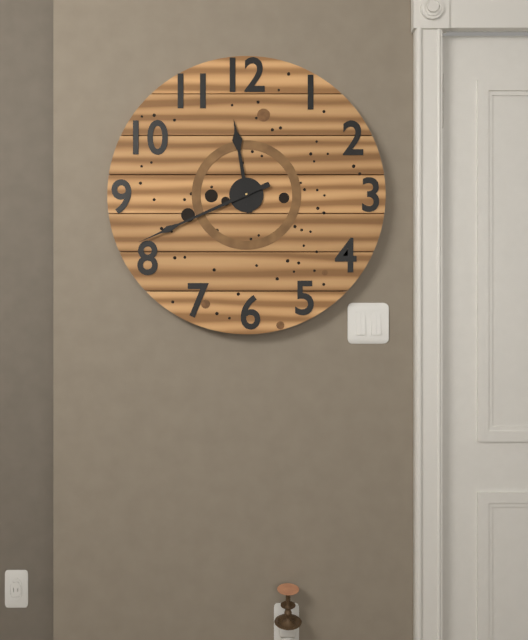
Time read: 11:41
